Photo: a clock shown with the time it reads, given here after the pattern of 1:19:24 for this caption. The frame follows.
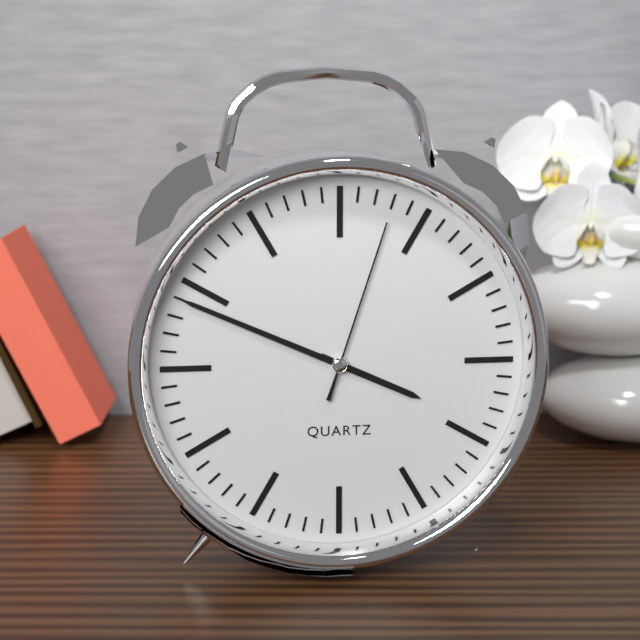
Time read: 3:49:03
